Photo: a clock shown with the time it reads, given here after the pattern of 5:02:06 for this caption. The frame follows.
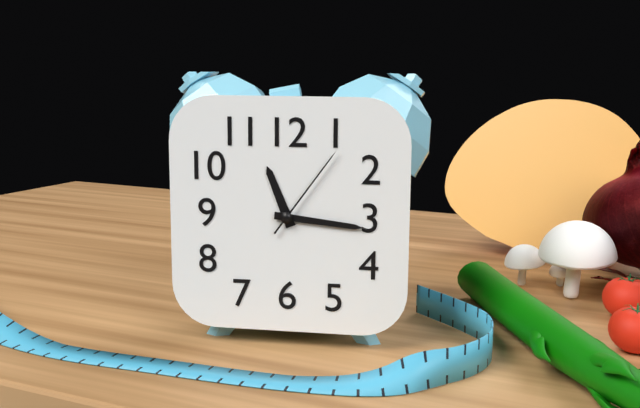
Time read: 11:16:06
